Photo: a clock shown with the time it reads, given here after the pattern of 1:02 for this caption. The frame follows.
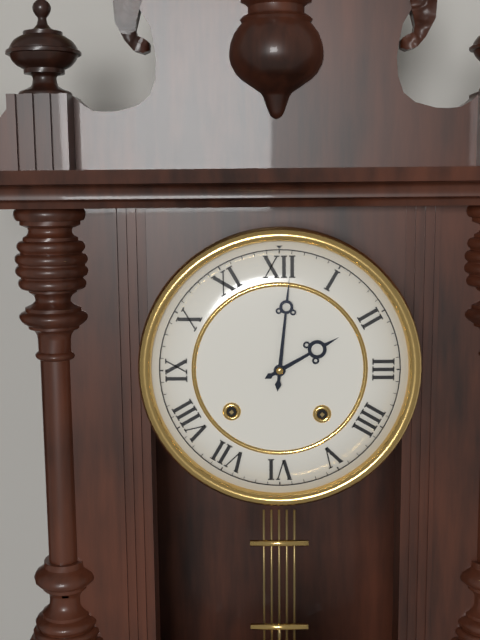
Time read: 2:01
